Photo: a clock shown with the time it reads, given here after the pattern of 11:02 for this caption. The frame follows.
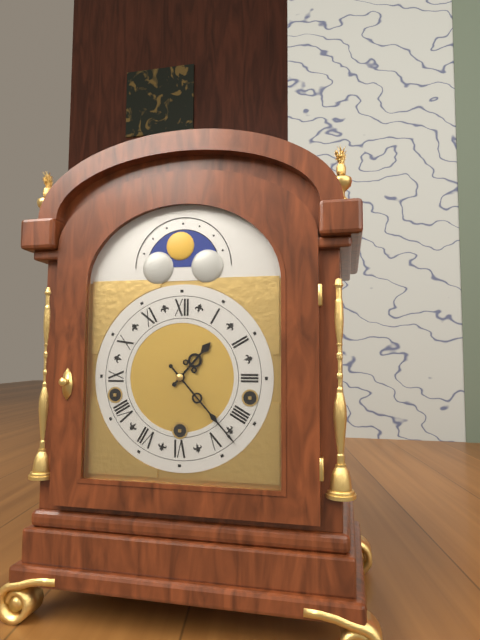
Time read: 1:23
